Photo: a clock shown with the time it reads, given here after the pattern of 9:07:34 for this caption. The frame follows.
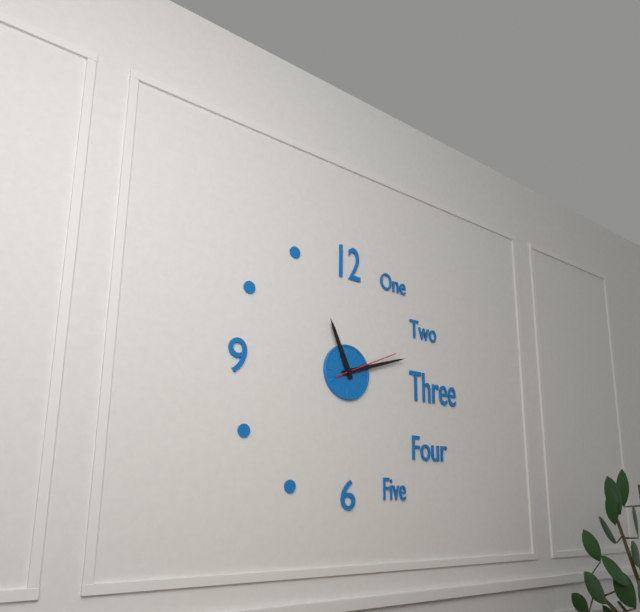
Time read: 11:12:11
